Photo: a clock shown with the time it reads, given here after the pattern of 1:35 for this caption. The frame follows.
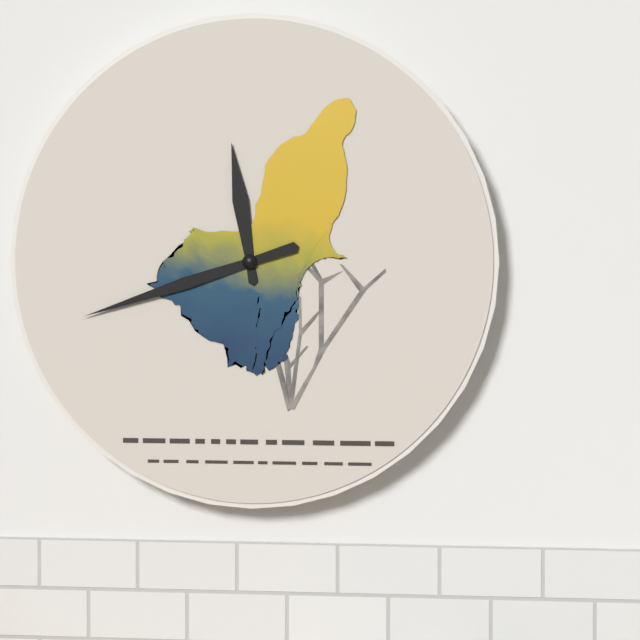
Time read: 11:42
